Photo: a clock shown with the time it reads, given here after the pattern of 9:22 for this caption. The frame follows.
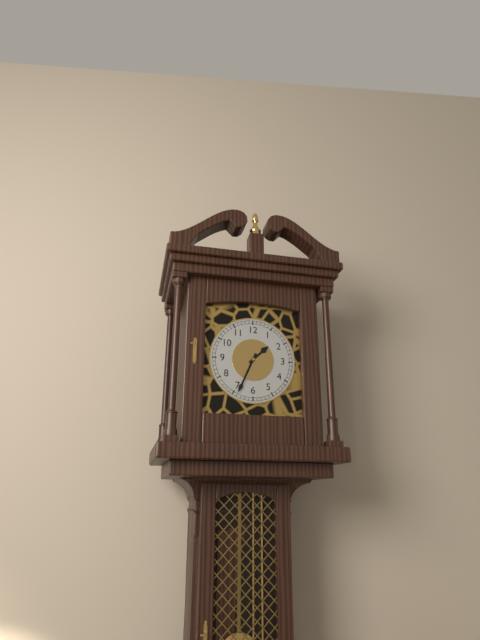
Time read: 1:34
